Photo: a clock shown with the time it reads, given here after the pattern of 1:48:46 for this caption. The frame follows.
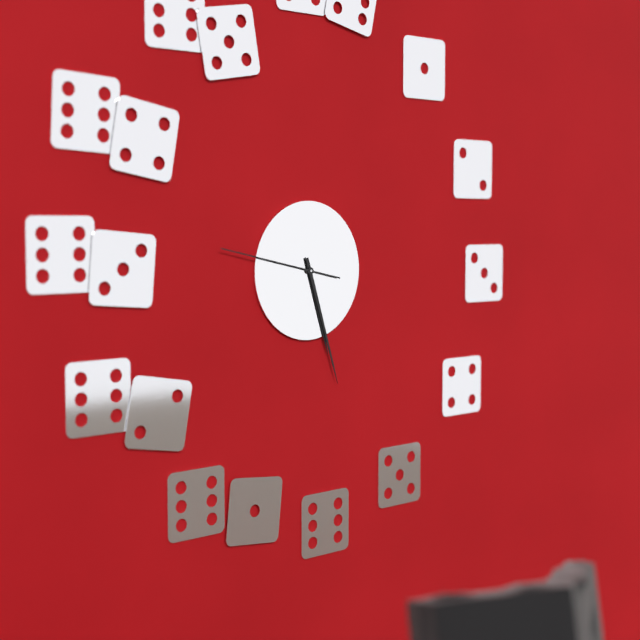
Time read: 5:27:47
